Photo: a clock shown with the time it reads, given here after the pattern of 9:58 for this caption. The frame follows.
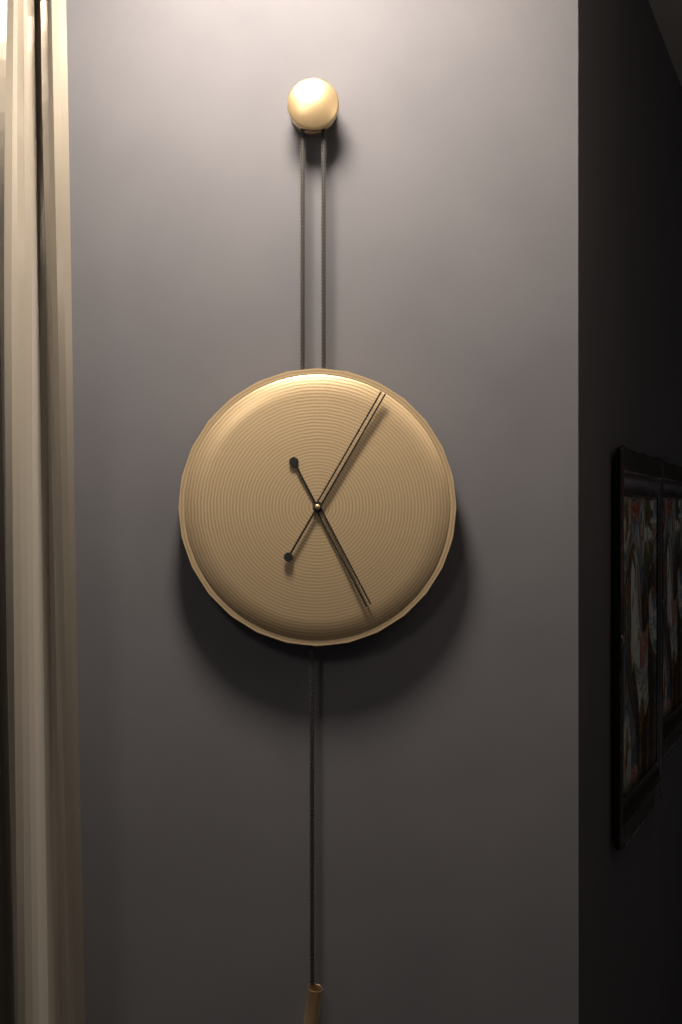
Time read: 5:05
